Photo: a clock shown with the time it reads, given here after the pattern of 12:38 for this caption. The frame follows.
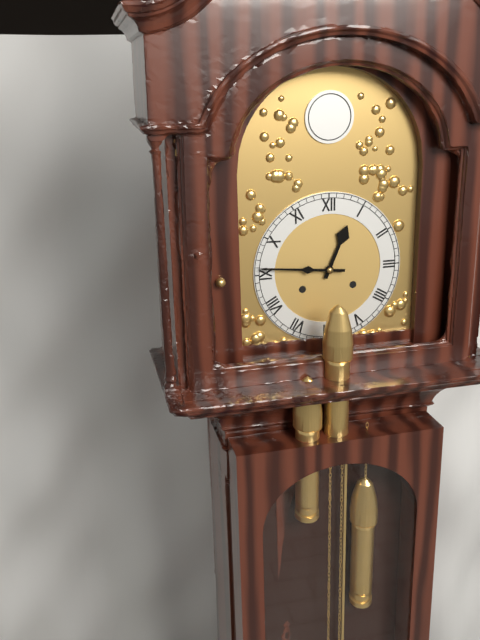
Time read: 12:46
